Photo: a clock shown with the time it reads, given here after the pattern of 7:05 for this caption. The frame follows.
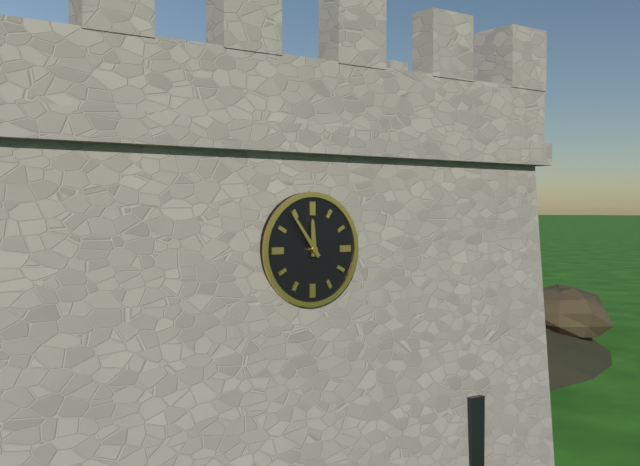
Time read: 11:54
